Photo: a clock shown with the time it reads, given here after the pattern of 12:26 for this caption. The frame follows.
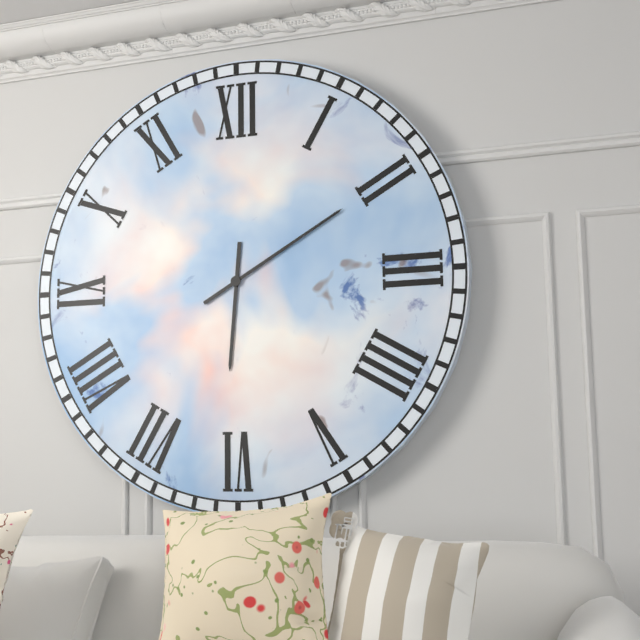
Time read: 6:10
